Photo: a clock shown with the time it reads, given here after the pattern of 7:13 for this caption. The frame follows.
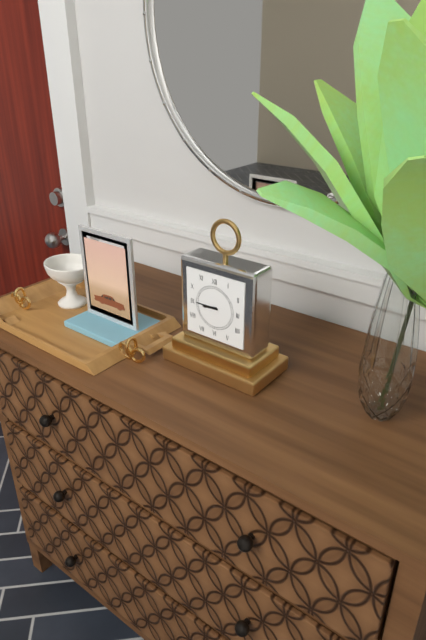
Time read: 8:45
